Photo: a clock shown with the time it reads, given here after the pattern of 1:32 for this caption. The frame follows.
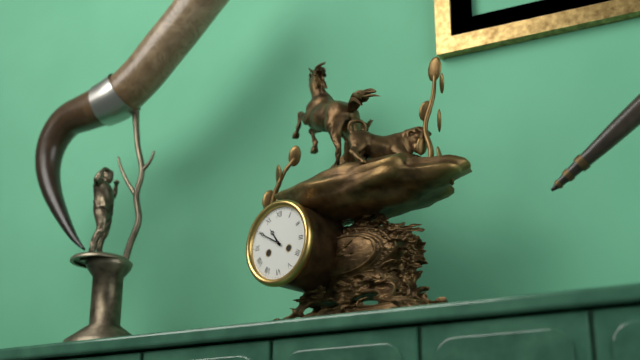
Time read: 10:50
